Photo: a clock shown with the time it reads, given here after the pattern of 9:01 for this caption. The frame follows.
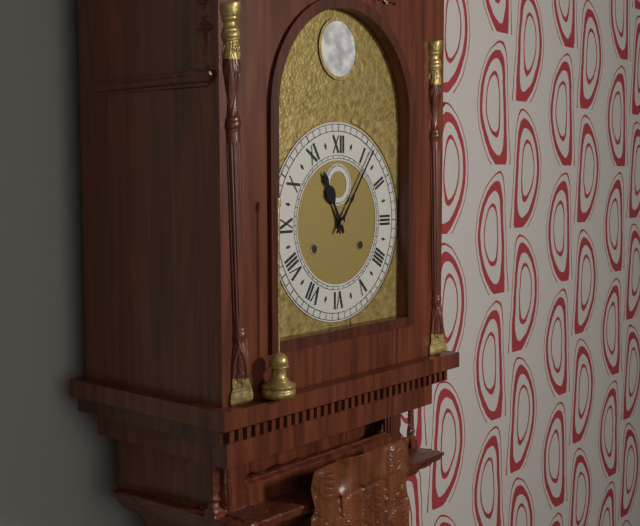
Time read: 11:06
